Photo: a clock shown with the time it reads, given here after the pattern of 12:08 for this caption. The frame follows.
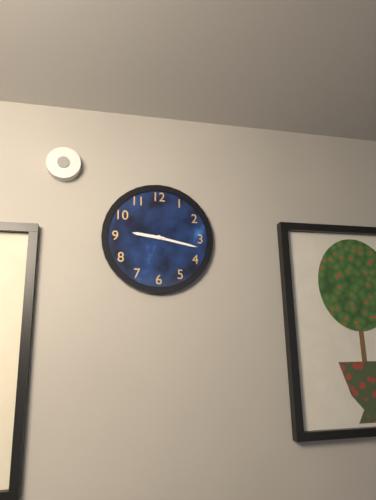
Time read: 9:17
